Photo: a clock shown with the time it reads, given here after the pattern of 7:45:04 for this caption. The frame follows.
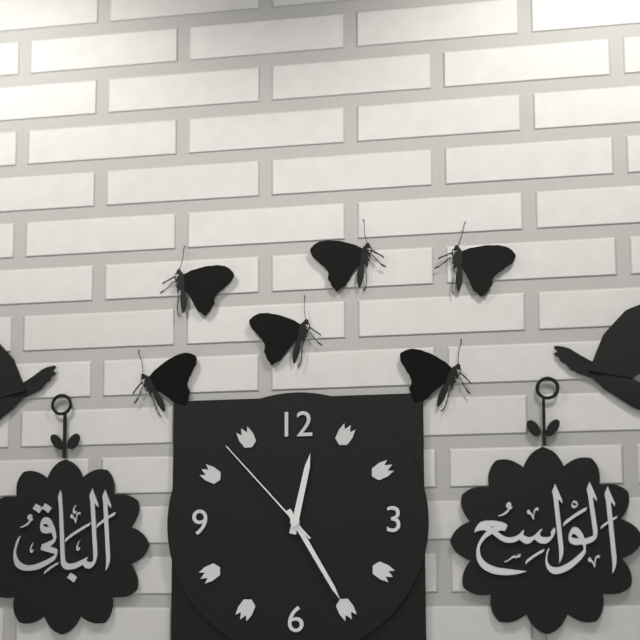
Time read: 12:25:53
